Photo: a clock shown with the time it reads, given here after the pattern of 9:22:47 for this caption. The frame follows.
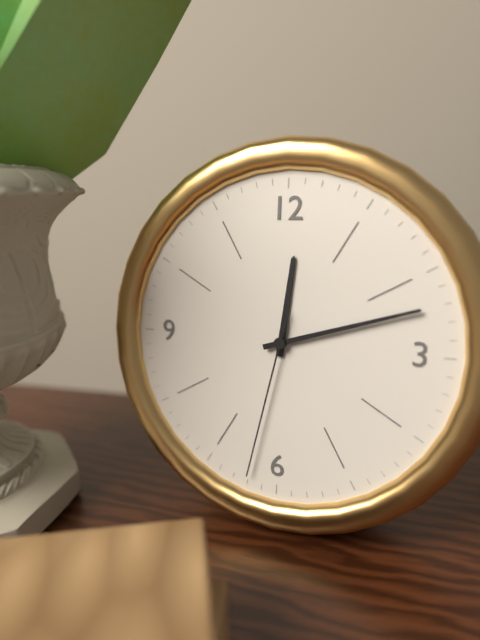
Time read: 12:12:32
